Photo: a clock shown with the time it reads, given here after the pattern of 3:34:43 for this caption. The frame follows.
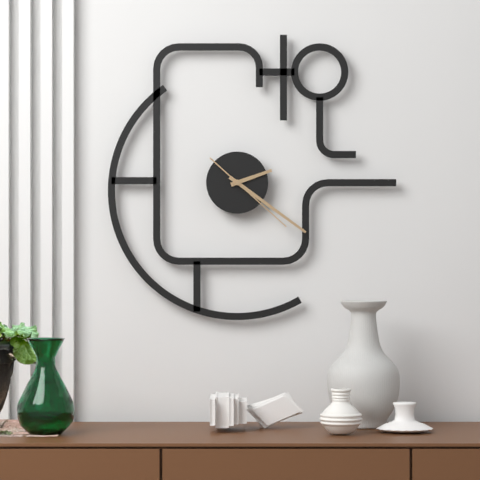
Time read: 2:21:22
